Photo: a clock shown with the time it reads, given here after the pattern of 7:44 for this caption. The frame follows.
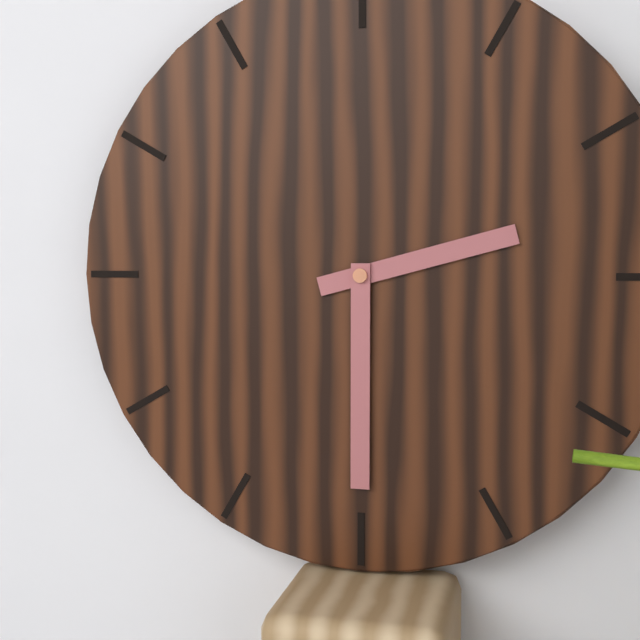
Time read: 2:30
